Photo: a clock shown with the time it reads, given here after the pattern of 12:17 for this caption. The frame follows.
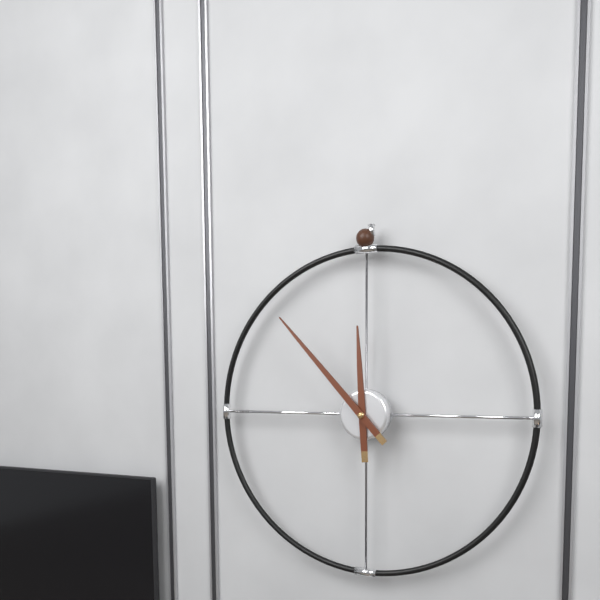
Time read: 11:53
